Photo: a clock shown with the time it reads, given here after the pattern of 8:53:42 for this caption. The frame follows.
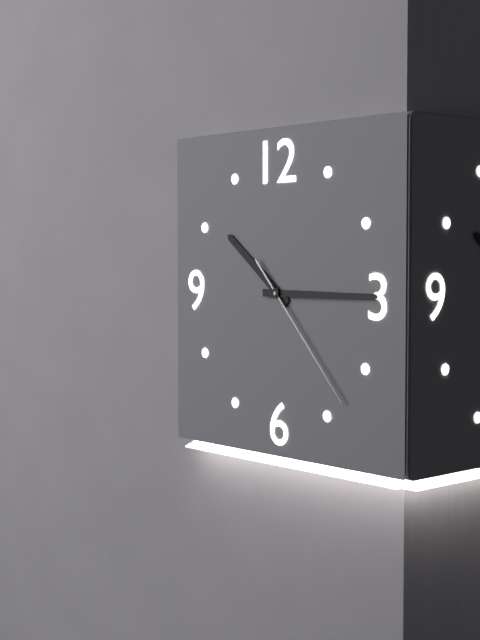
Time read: 10:15:23
